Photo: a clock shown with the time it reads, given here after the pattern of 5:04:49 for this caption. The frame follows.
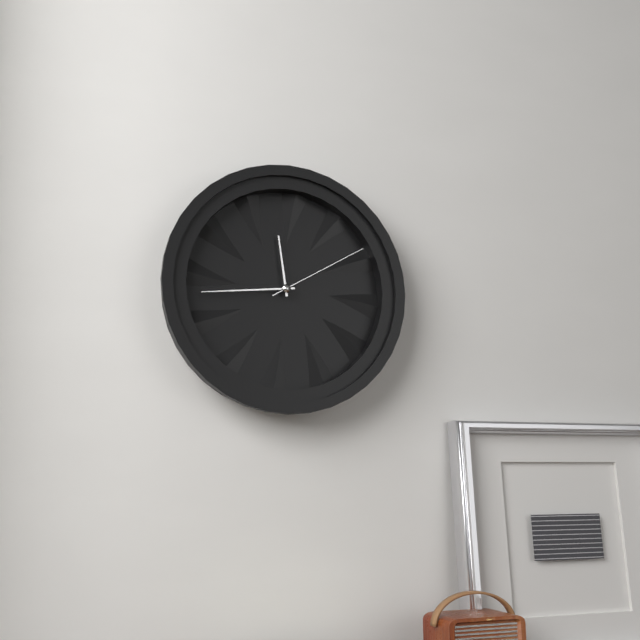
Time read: 11:44:10
